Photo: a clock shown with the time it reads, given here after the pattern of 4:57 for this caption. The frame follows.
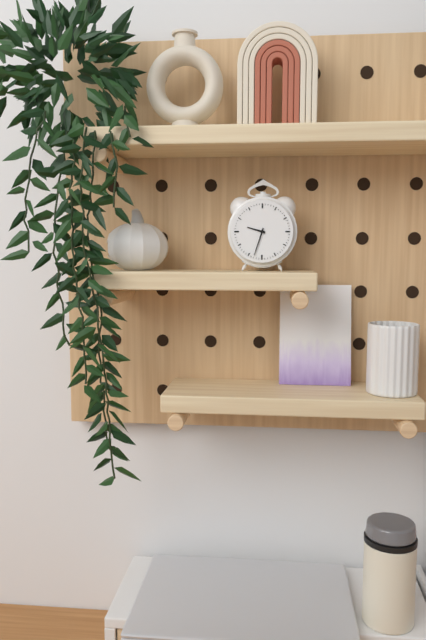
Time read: 9:33
